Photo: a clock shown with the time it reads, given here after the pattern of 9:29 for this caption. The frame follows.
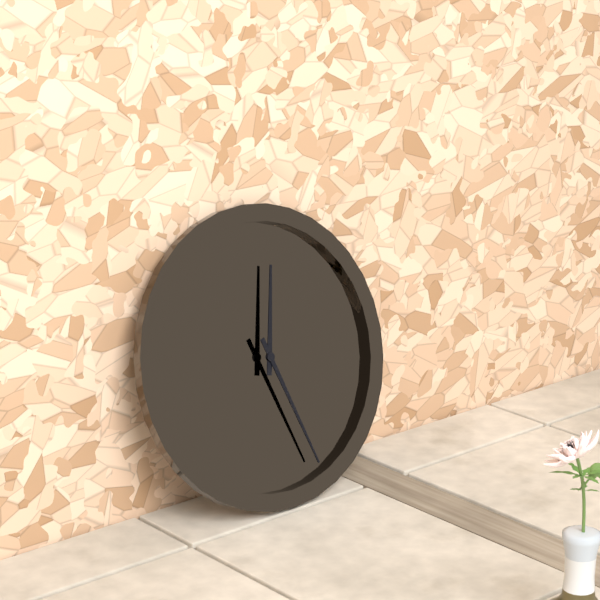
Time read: 12:27
